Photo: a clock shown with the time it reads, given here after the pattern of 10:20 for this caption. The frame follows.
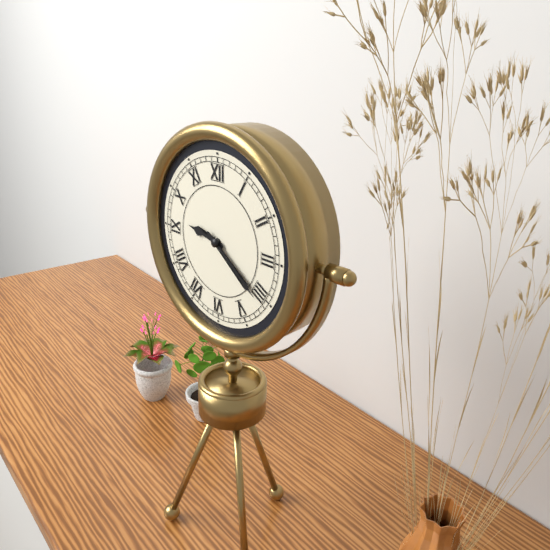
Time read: 9:21
